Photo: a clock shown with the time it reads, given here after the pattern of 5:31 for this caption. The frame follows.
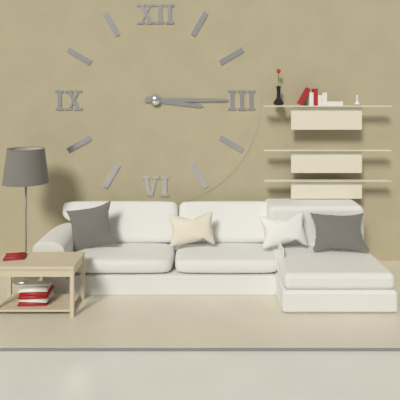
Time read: 3:15
